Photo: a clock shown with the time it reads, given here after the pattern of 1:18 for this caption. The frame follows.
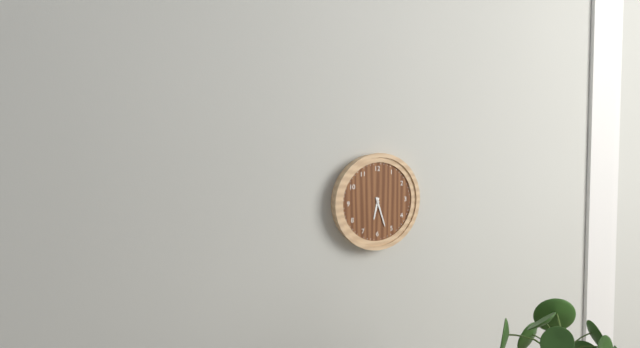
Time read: 6:27
